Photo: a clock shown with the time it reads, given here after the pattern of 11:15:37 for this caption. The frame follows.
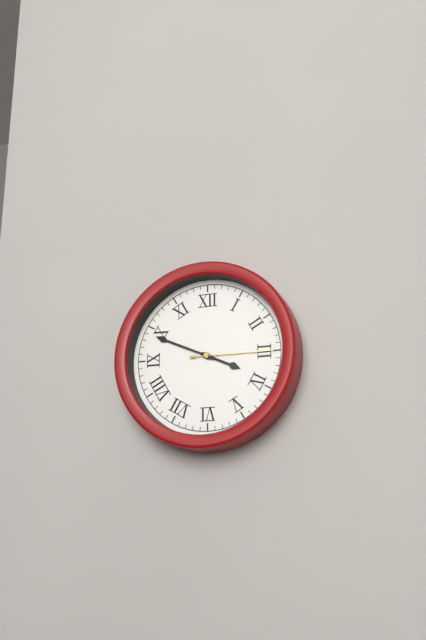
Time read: 3:49:15
